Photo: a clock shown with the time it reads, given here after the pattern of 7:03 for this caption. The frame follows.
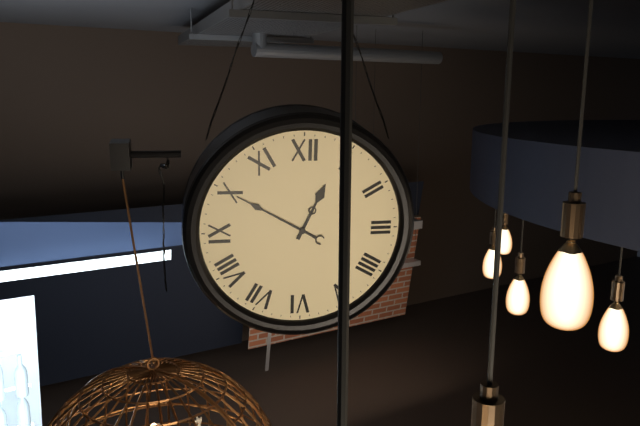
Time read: 12:50
